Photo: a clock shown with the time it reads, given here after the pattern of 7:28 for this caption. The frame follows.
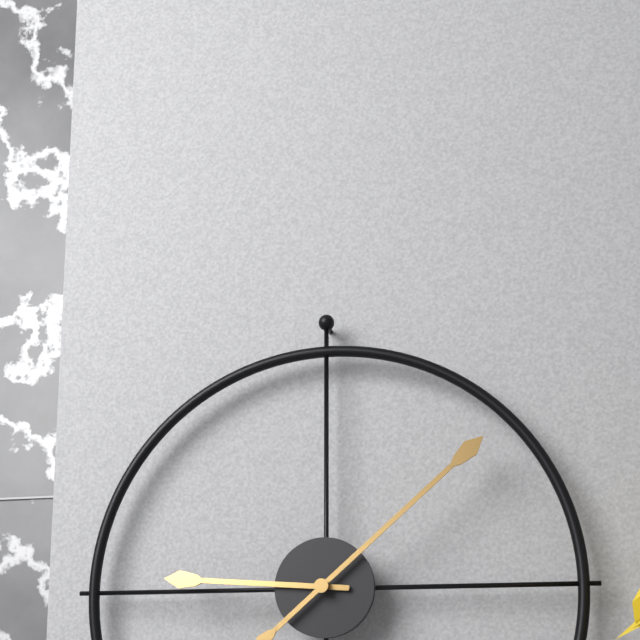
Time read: 9:08
